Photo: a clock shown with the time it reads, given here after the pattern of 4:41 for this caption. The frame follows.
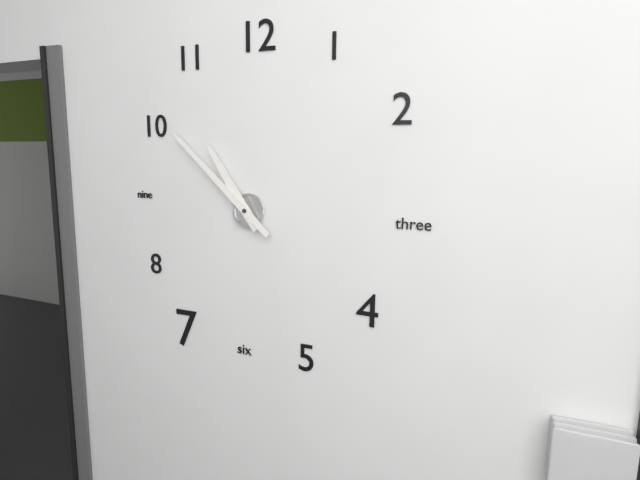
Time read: 10:52
